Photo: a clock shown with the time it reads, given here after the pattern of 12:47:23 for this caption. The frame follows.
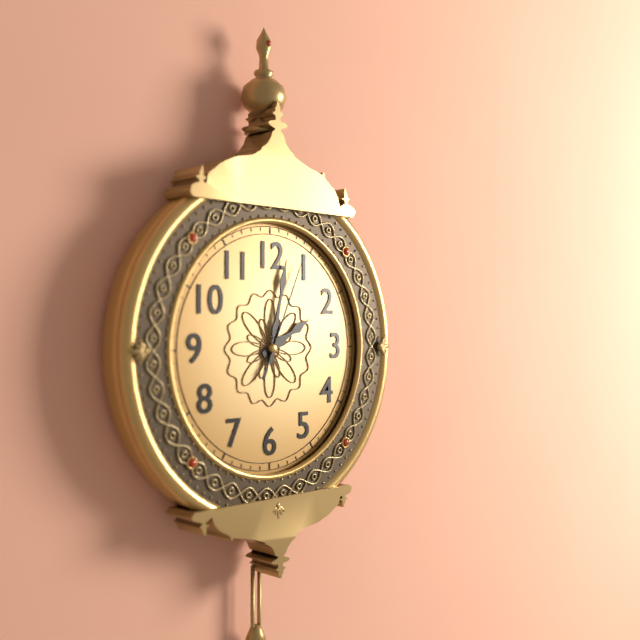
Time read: 2:02:04
